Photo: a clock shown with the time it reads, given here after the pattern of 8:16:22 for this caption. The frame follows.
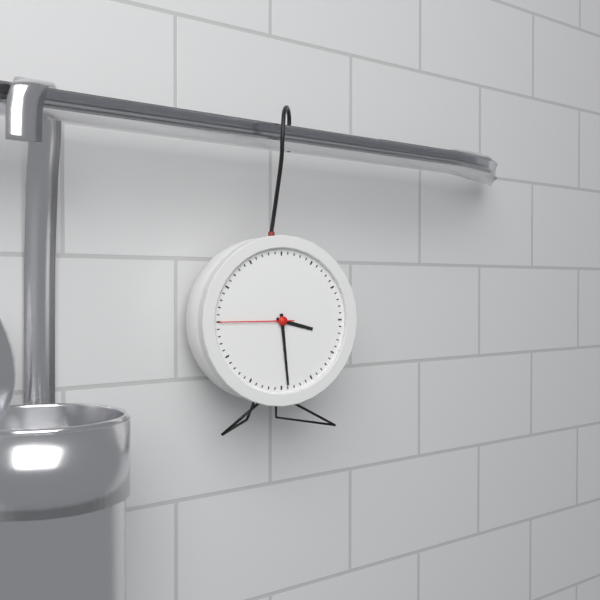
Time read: 3:29:45
